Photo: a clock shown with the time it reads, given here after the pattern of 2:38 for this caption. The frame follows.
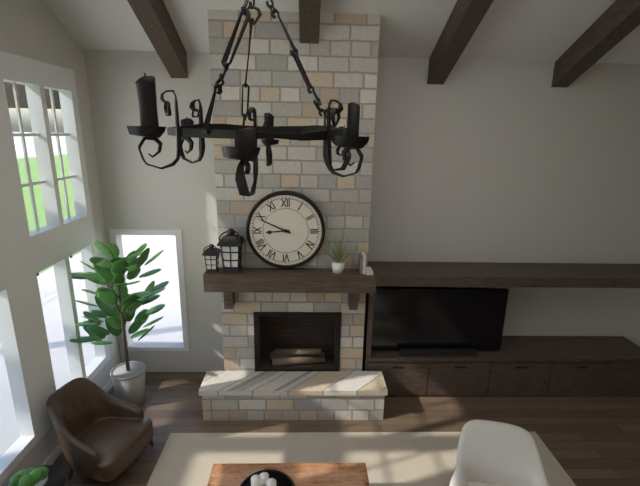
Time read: 8:49
